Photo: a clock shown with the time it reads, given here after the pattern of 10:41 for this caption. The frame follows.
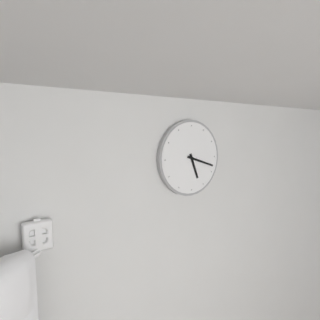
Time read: 5:18
